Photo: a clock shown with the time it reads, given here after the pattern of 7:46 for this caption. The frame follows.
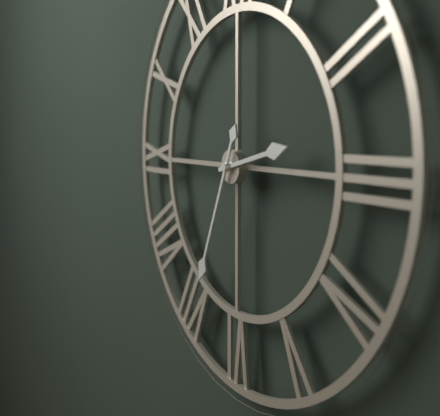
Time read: 2:34
